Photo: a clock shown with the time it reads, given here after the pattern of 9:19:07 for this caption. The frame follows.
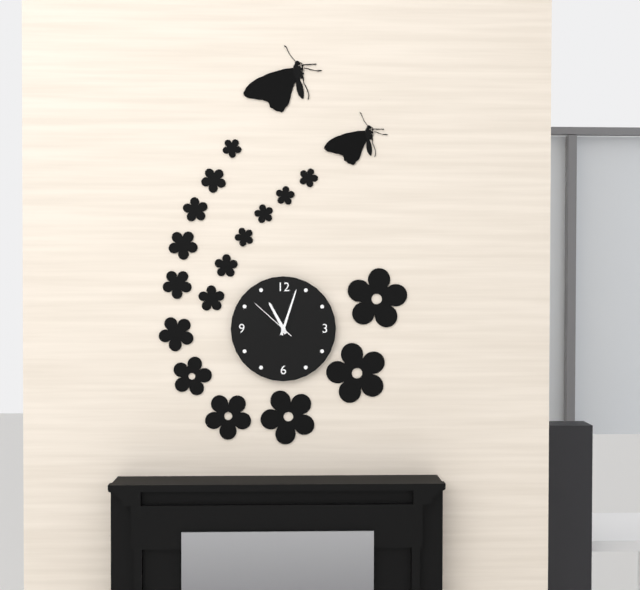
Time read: 11:03:52
